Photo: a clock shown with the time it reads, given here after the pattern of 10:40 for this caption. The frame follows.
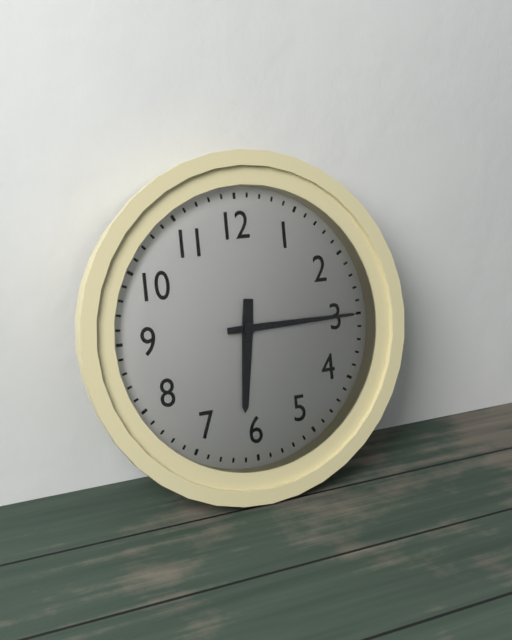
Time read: 6:15
